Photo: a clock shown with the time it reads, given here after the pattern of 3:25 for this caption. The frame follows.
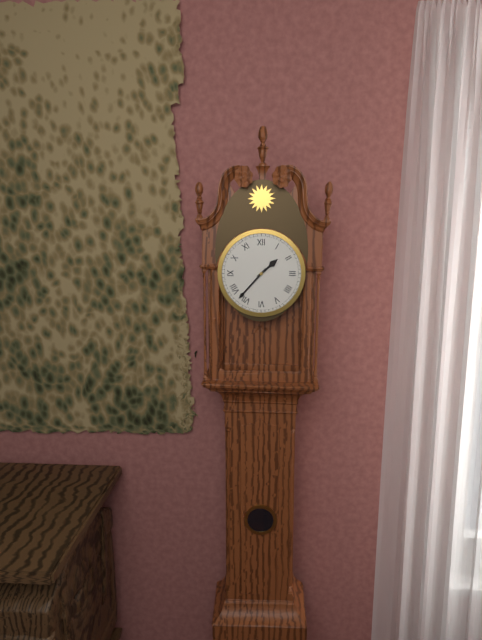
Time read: 1:37
